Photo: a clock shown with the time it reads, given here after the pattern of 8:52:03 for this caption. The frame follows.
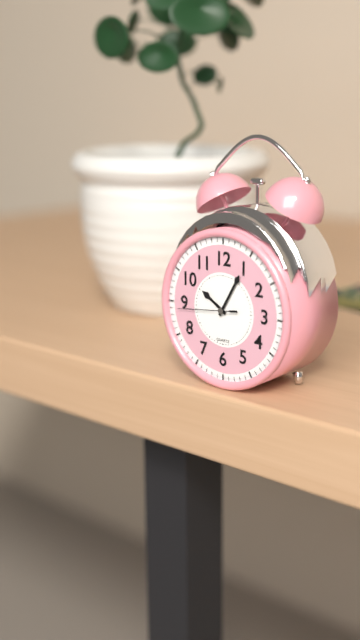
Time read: 10:05:44
